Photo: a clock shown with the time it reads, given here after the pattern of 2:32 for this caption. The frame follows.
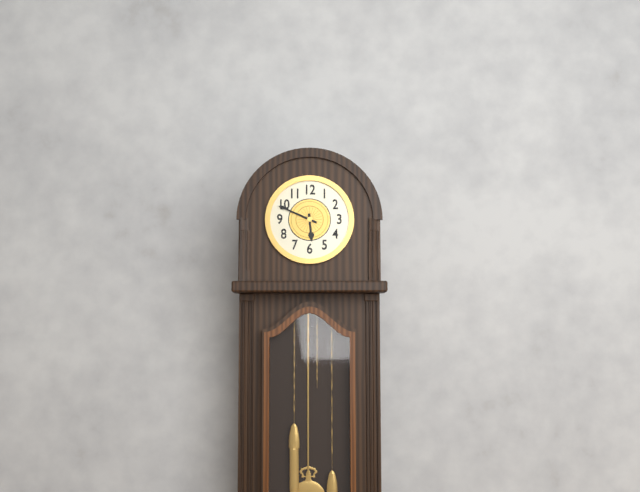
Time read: 5:49
